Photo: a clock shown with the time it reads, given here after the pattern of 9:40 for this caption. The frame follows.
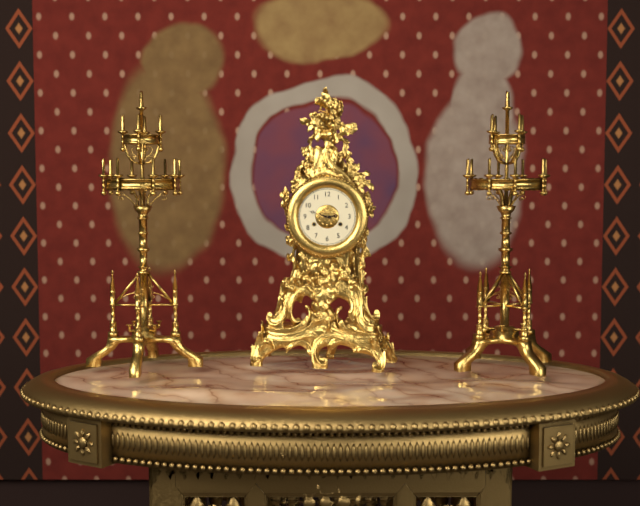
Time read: 2:48
